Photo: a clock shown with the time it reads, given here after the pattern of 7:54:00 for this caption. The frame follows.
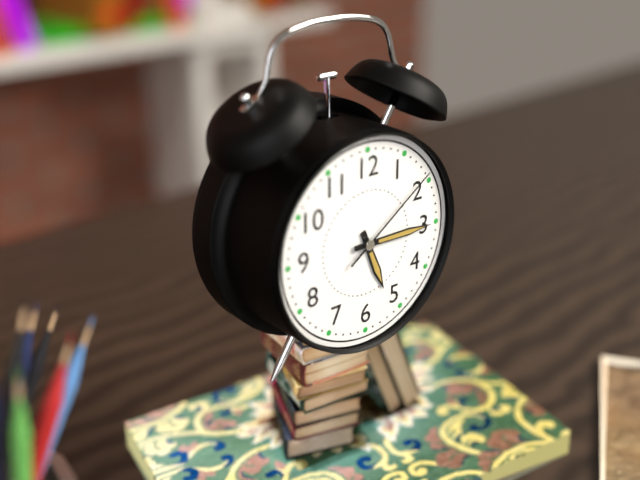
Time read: 5:15:09
